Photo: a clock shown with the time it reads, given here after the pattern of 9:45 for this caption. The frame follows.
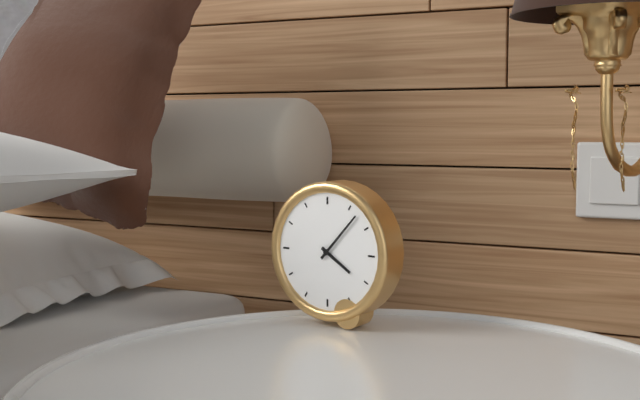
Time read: 4:07
